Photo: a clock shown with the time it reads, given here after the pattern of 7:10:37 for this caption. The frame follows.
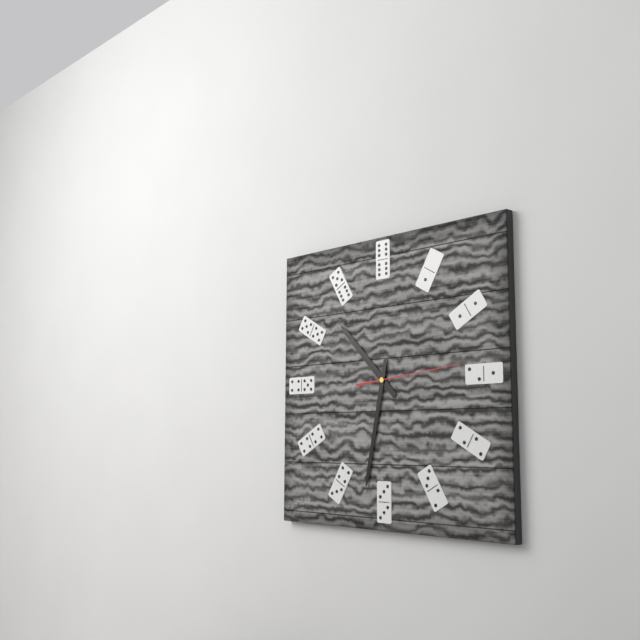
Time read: 10:32:14
